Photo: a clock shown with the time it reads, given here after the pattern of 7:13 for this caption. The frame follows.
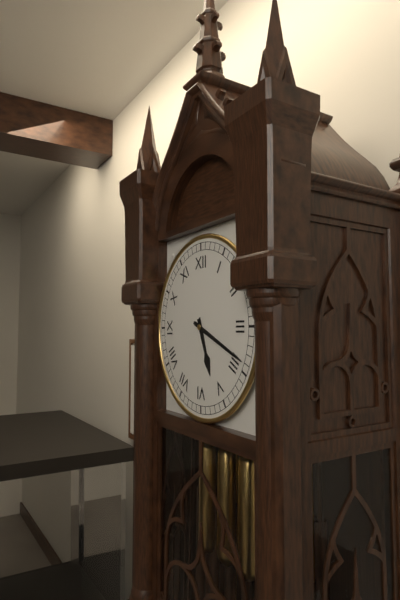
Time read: 5:19
